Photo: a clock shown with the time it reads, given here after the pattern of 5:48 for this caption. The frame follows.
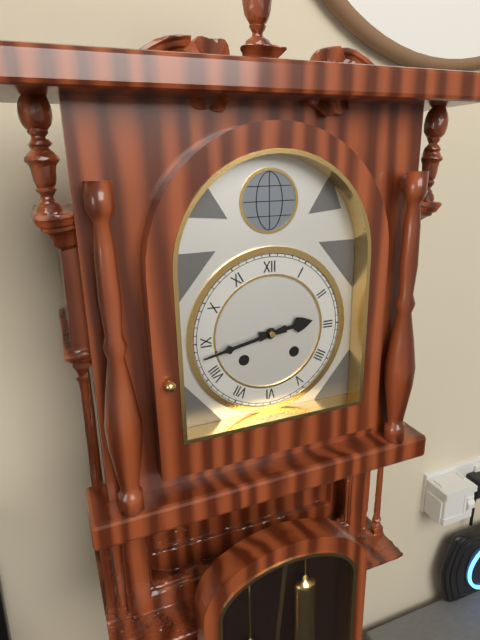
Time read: 2:43
